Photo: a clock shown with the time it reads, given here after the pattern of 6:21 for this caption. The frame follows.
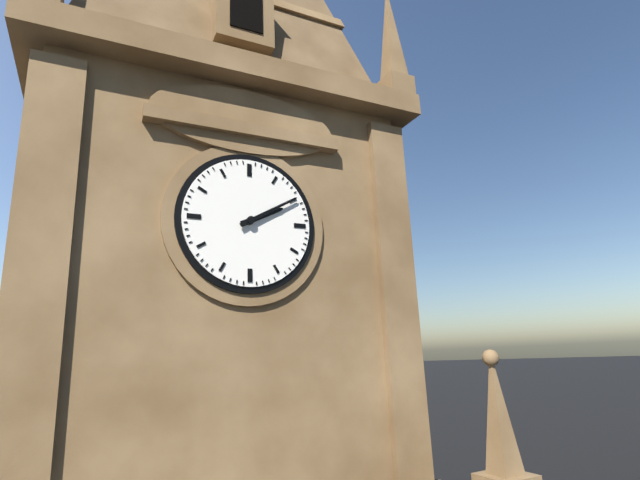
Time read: 2:10
